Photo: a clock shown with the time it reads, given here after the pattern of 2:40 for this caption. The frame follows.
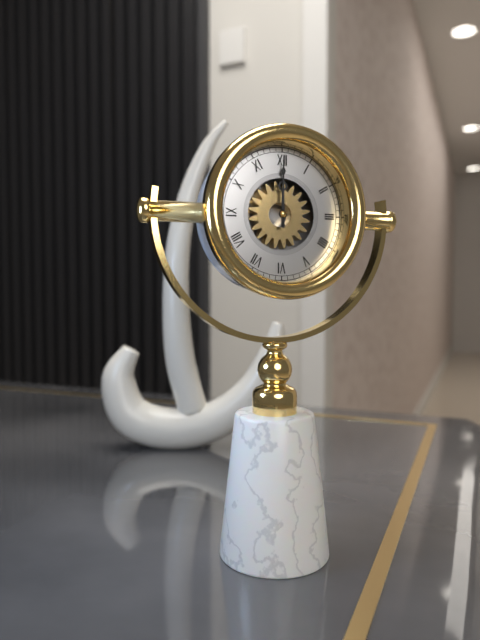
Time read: 12:00
